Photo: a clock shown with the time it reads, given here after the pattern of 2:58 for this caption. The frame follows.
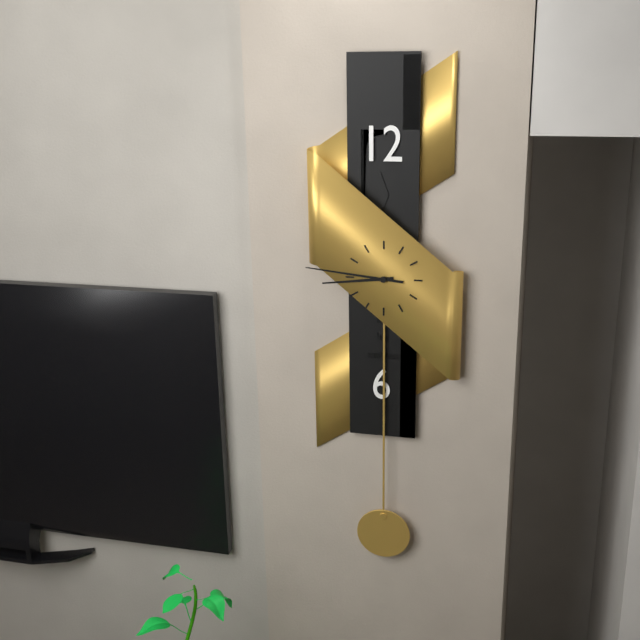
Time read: 8:46
